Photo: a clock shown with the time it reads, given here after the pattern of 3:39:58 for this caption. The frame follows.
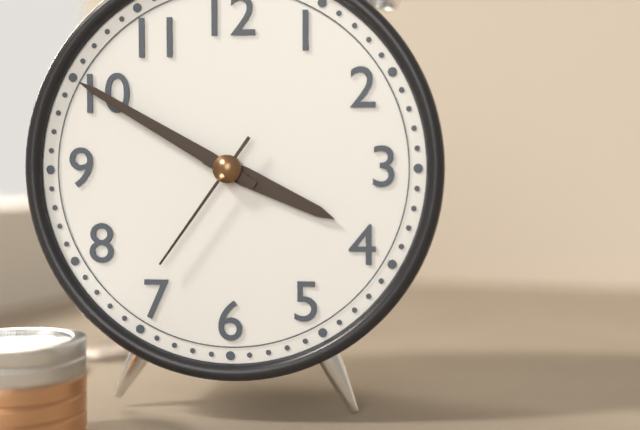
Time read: 3:50:36
